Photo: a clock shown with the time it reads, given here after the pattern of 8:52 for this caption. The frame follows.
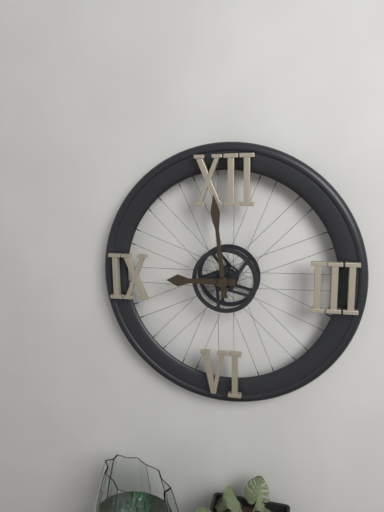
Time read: 8:59
